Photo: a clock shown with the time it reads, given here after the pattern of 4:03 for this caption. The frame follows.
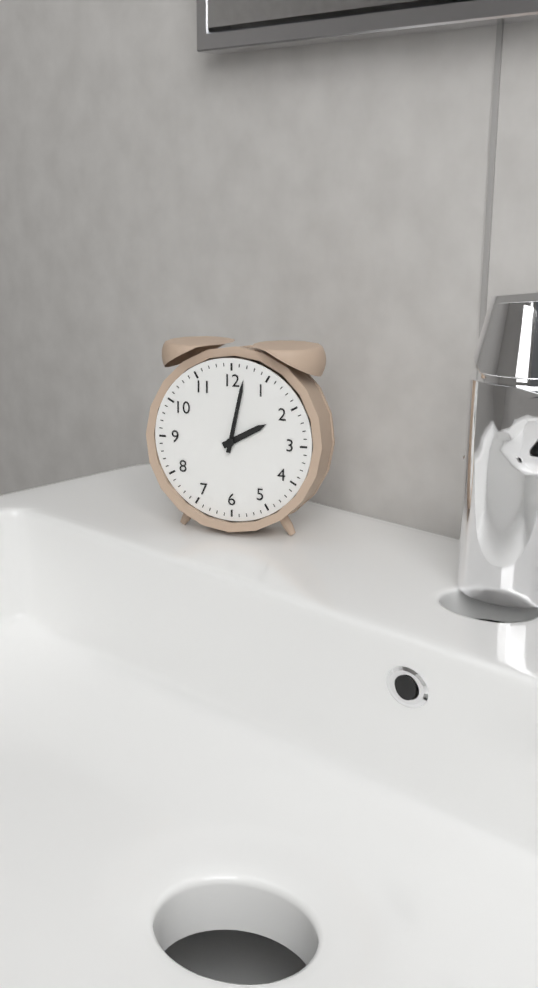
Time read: 2:02
